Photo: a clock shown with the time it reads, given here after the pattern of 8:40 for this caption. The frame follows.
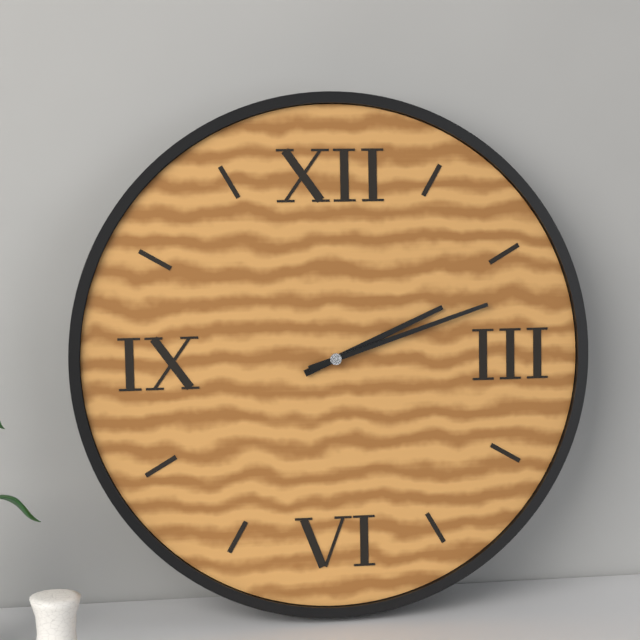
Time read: 2:12
